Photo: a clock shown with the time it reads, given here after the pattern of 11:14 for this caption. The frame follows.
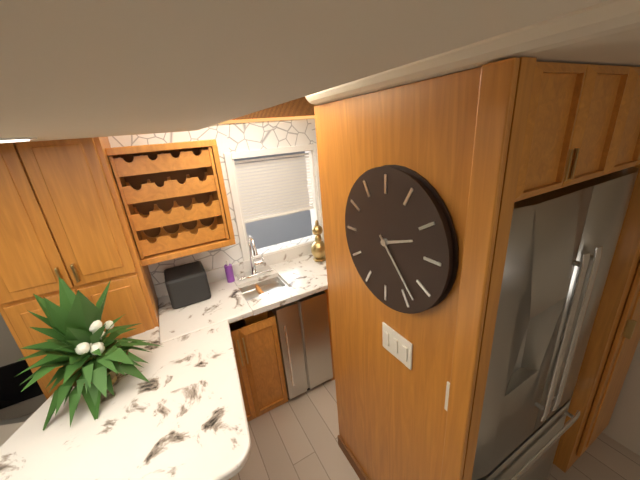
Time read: 2:23
